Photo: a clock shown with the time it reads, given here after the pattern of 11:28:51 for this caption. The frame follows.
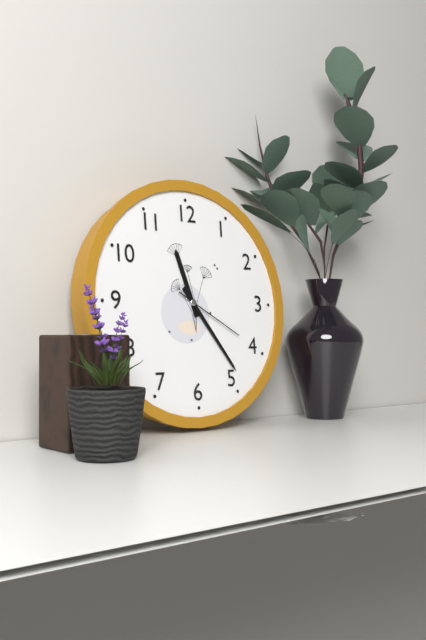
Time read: 11:24:20
